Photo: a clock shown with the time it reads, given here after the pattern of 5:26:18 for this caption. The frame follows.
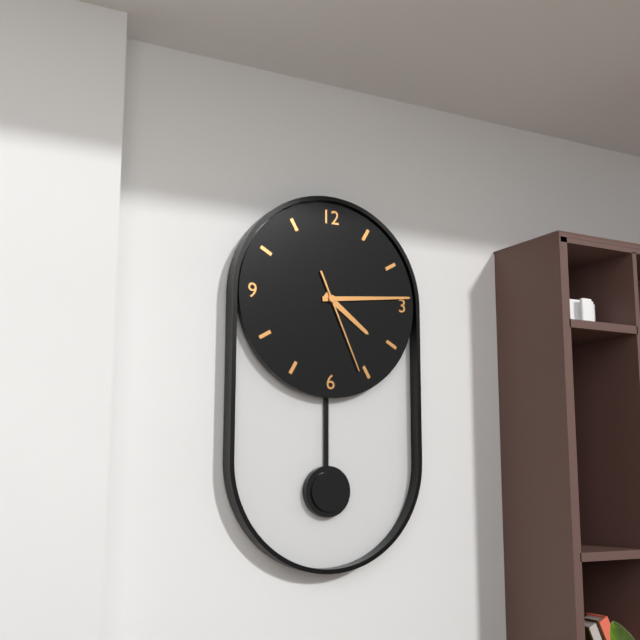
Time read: 4:14:26
